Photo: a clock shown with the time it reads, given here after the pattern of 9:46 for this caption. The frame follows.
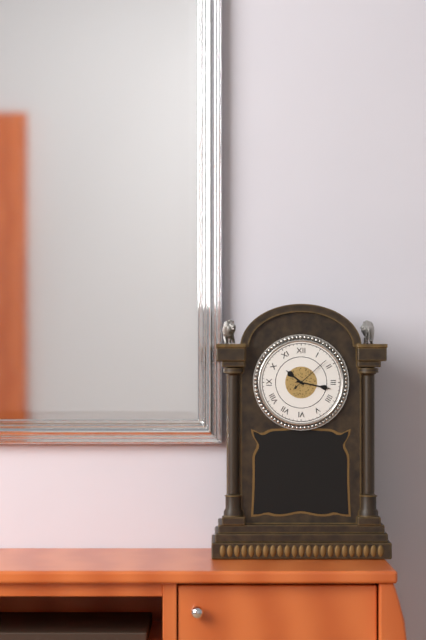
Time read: 10:17
